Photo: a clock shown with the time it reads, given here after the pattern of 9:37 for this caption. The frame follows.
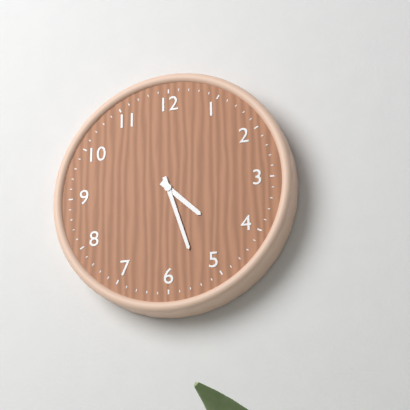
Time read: 4:27
